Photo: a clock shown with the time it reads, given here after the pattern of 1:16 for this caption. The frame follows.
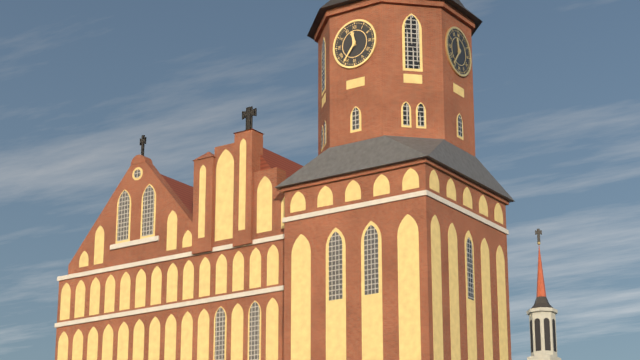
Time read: 11:36
